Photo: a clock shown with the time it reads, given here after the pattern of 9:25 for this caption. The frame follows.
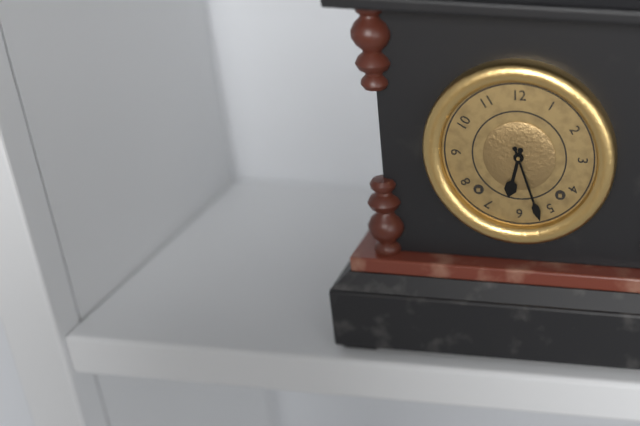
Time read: 6:27
